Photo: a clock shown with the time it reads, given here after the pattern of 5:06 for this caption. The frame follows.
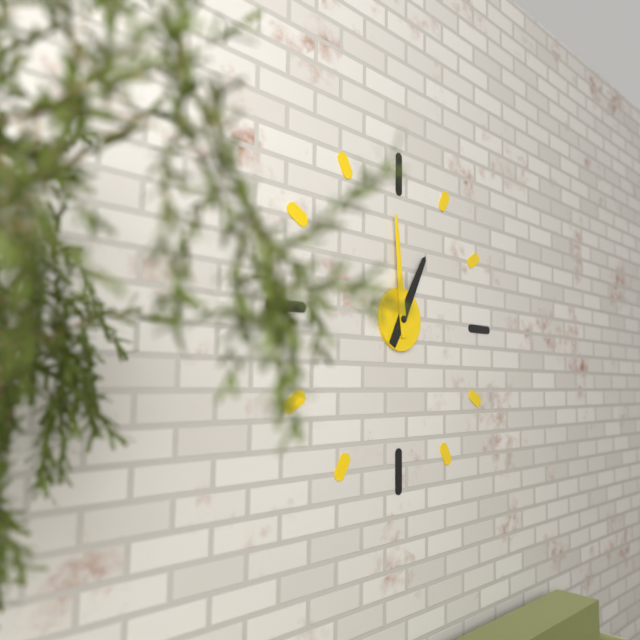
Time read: 12:59
